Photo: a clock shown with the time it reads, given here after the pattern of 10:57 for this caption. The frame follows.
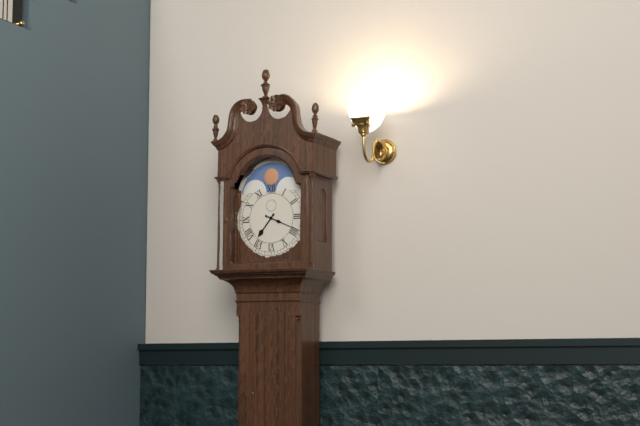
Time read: 7:19
